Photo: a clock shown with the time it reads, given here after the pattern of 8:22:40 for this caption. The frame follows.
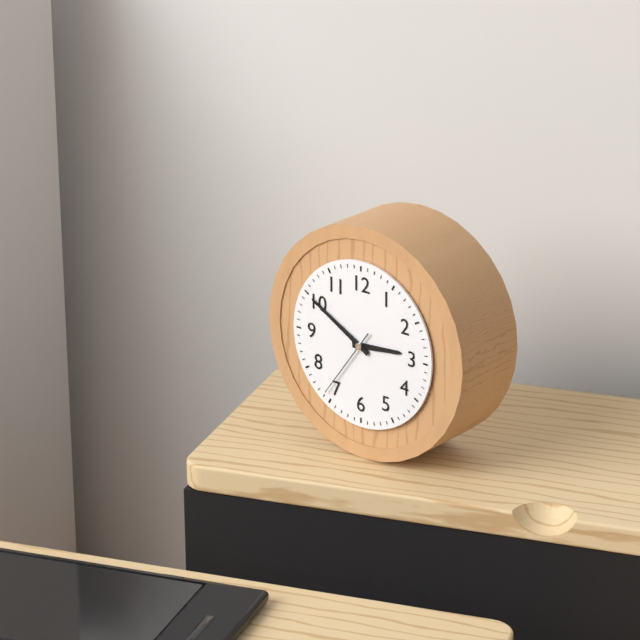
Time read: 2:50:36
